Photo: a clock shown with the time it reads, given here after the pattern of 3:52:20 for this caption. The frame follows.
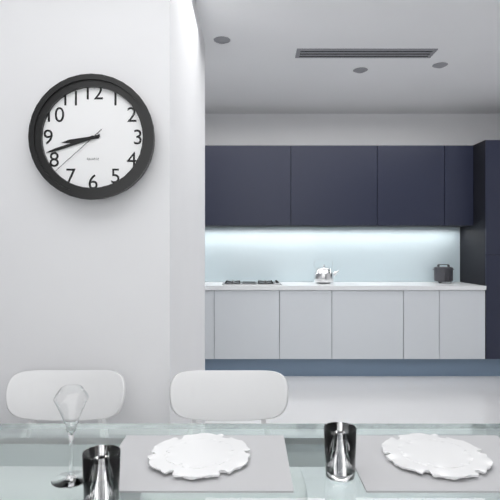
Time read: 8:42:38
